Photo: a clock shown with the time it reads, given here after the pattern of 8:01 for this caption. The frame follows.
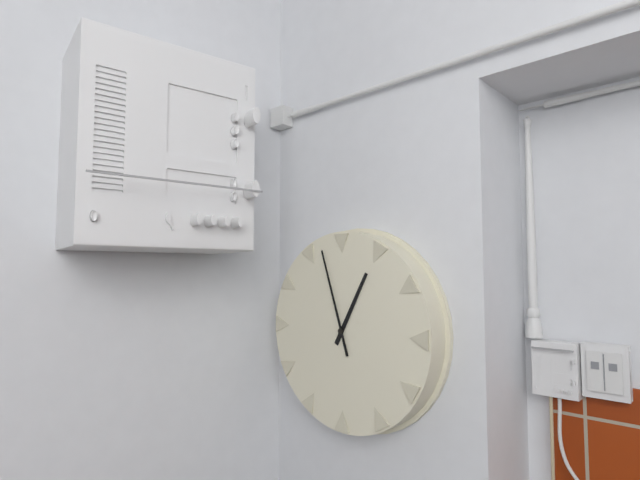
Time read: 12:57
